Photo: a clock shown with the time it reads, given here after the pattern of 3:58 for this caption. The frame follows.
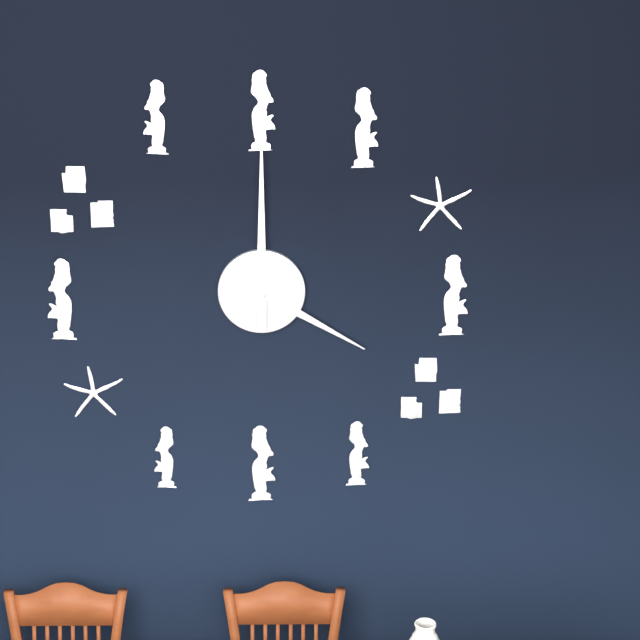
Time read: 4:00
